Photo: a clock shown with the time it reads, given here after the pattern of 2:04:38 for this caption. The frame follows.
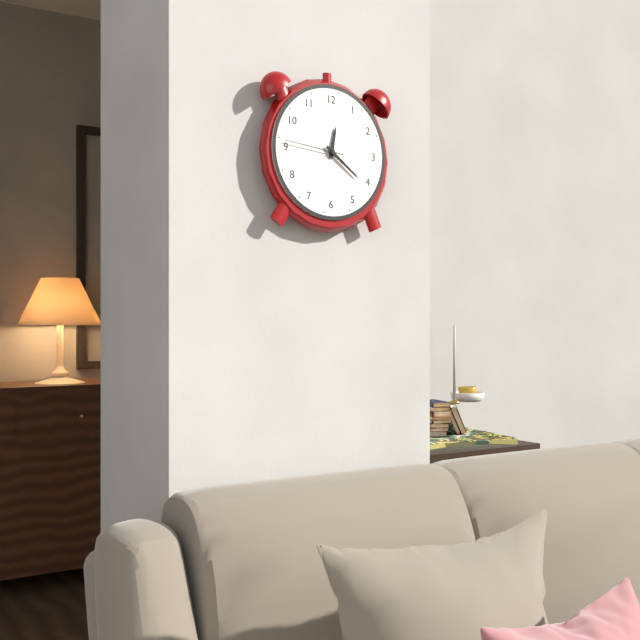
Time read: 12:21:46
